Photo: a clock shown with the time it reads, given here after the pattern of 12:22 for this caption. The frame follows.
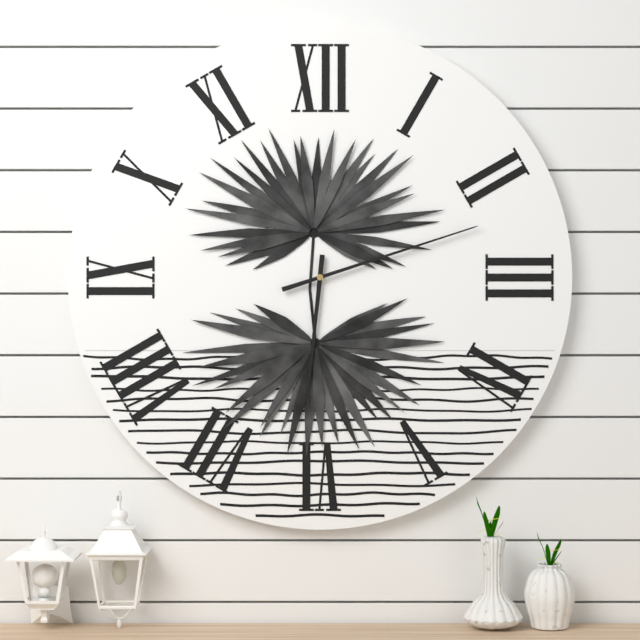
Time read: 6:12
